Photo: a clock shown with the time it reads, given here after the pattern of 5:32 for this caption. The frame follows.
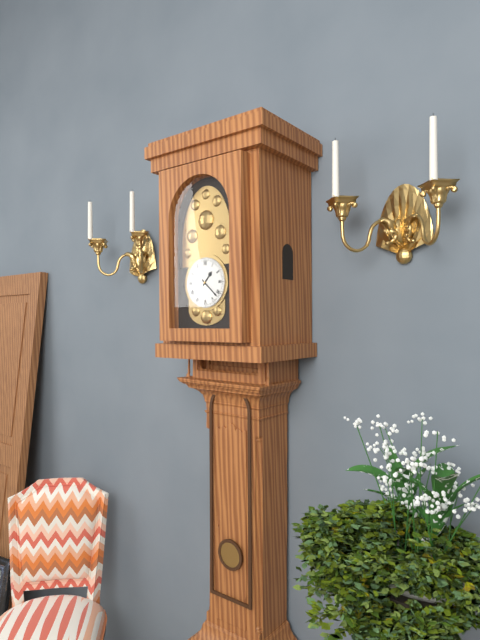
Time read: 1:22
